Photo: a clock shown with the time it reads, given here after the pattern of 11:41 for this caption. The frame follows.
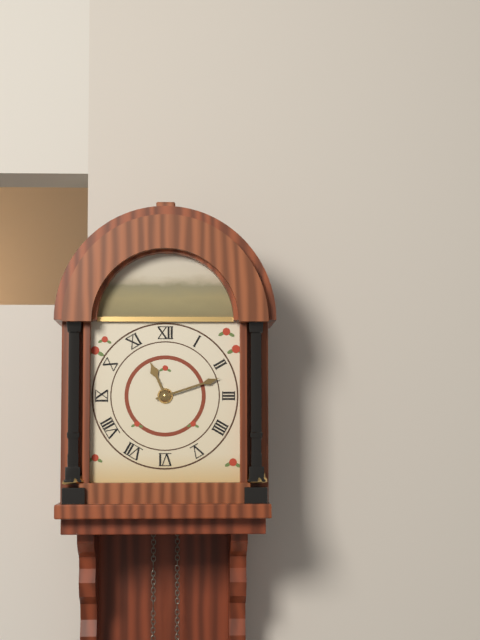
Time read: 11:12
